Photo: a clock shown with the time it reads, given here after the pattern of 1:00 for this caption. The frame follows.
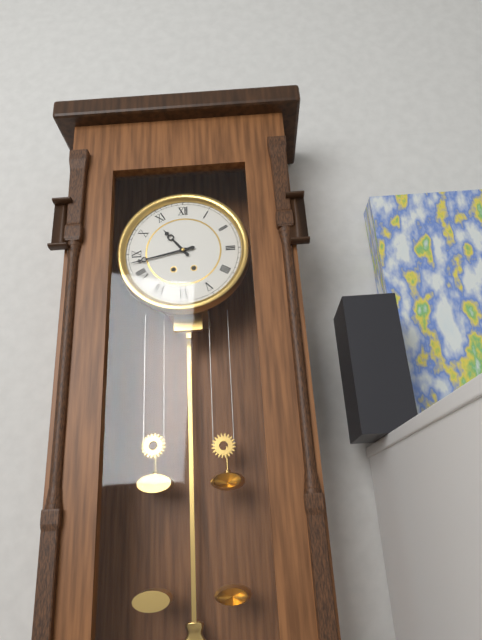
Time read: 10:43
